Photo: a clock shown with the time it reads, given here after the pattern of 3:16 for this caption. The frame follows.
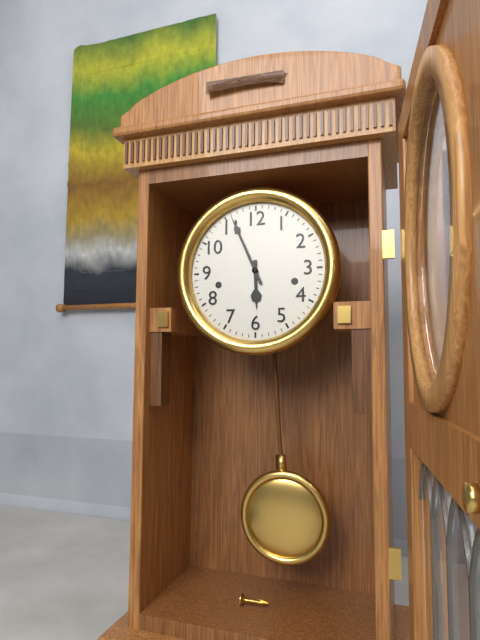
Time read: 5:56
